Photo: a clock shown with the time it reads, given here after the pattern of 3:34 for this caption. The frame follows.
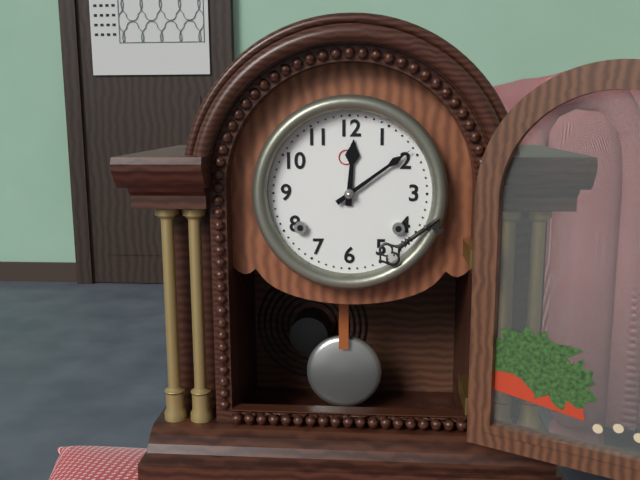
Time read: 12:09
